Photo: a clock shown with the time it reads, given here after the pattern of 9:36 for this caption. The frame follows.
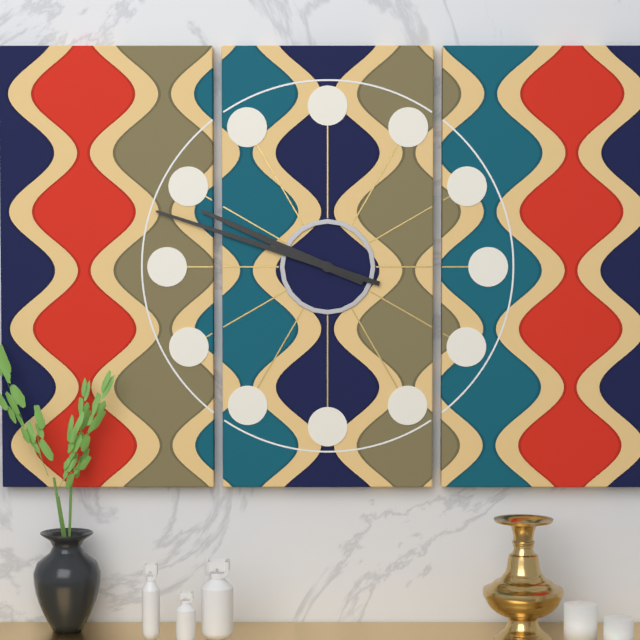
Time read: 9:48
